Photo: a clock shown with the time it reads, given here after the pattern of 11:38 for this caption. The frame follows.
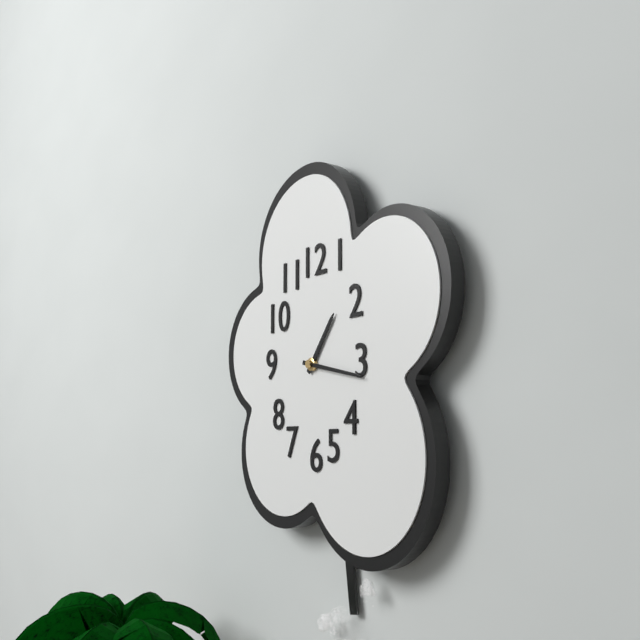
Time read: 1:17
